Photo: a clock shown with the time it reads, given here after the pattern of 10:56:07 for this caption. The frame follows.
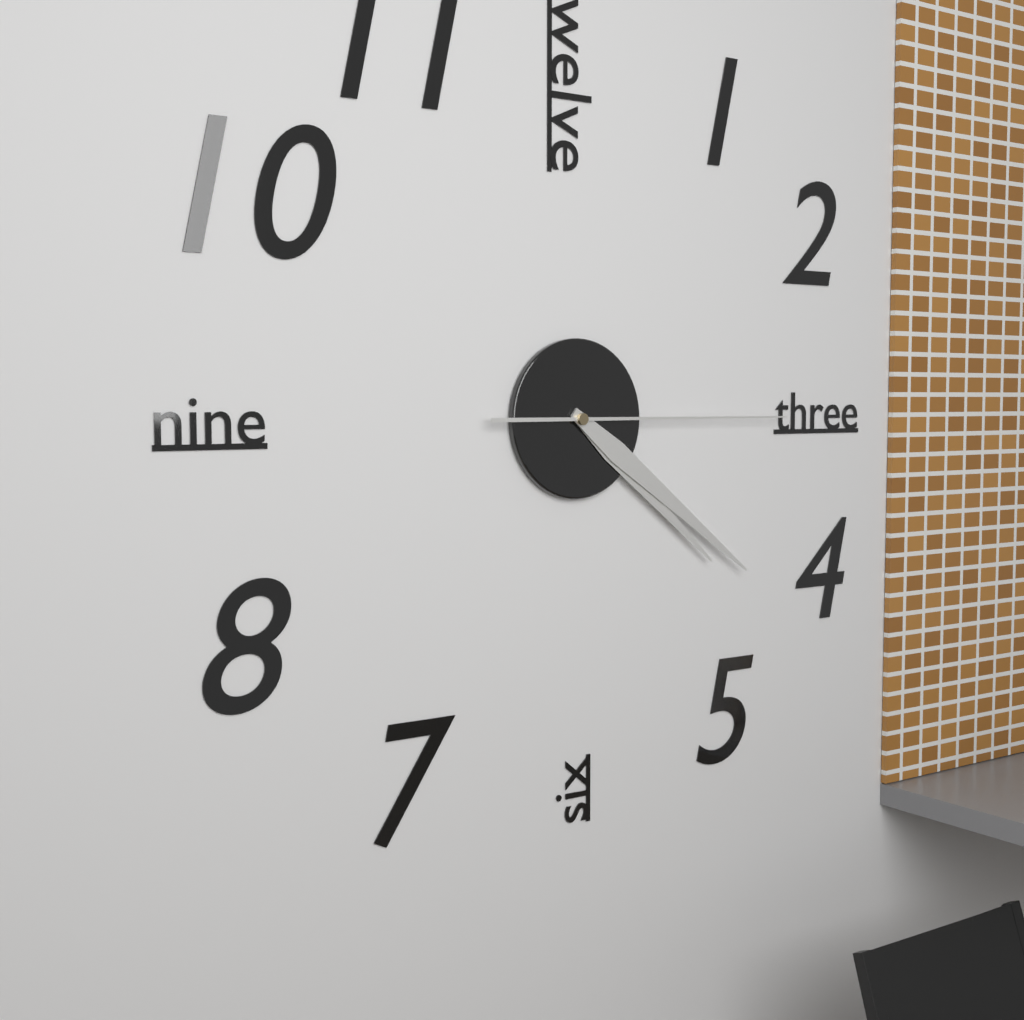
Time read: 4:21:15
